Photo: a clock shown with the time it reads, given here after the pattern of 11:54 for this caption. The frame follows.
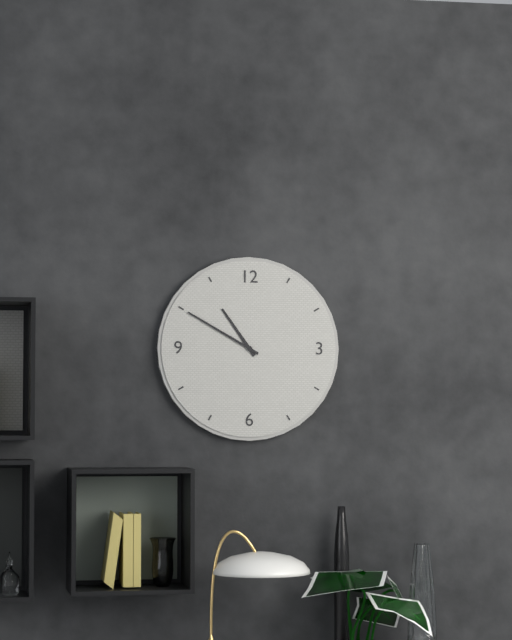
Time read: 10:50
